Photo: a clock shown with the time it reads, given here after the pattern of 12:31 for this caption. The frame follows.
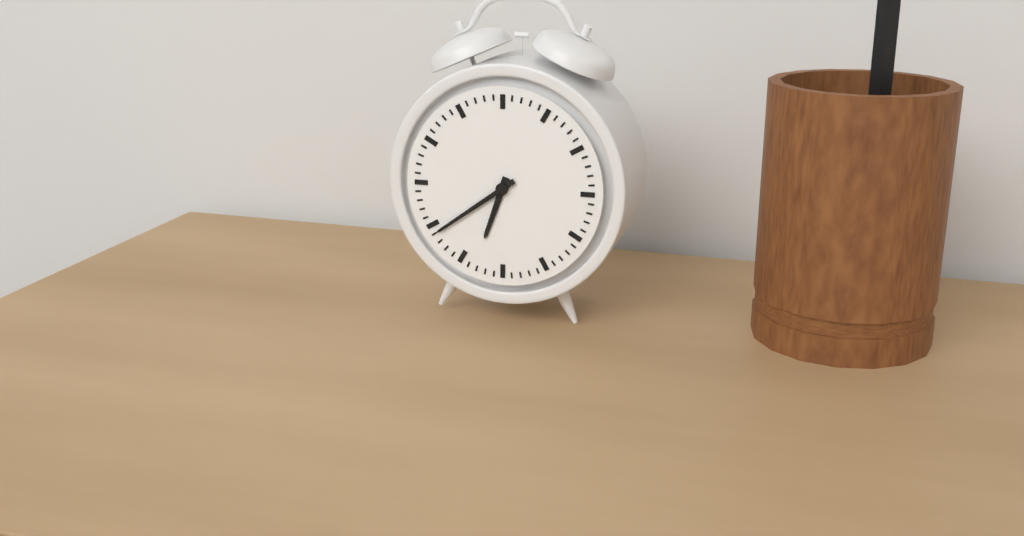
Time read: 6:39
